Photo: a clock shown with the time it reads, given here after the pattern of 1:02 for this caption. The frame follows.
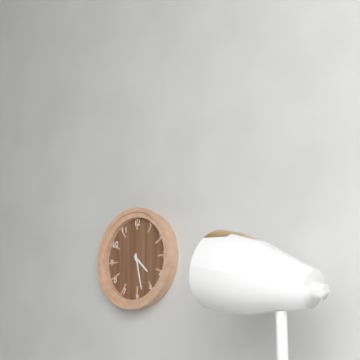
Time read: 4:28
